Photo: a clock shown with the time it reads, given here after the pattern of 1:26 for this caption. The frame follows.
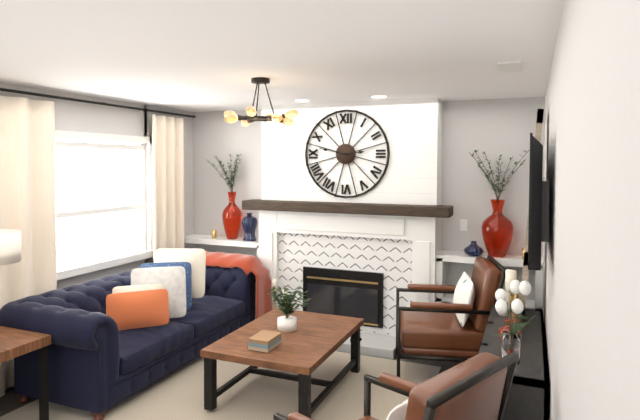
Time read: 2:47
